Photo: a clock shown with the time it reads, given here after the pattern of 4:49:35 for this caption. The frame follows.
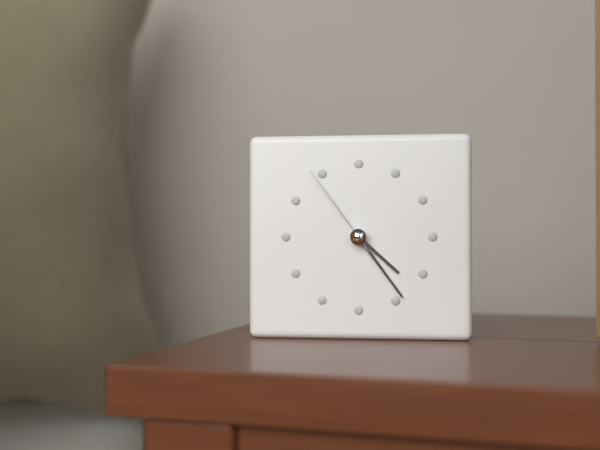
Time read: 4:24:54
